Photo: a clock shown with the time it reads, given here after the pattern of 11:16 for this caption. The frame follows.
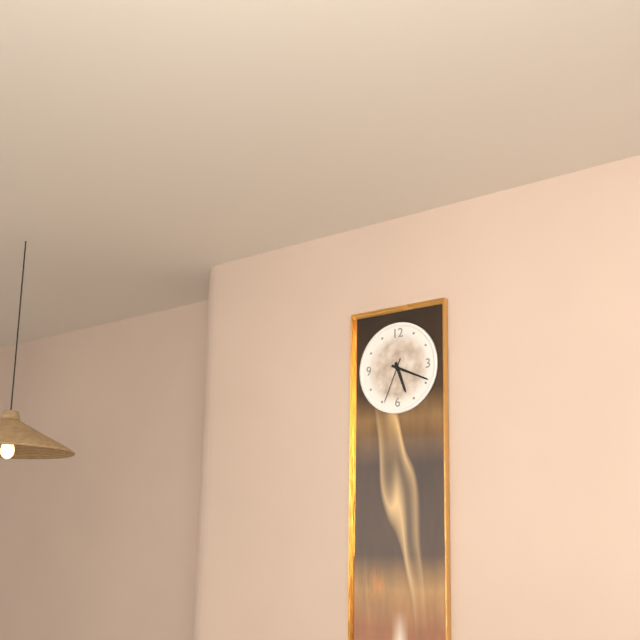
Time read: 5:19
